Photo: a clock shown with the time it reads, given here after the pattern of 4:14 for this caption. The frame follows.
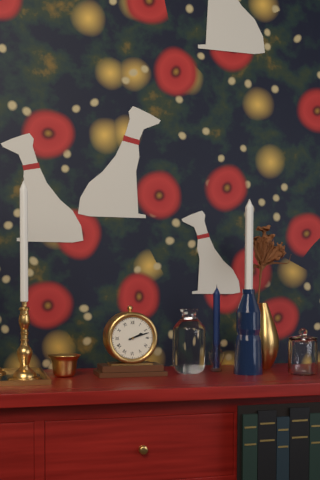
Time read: 2:12
